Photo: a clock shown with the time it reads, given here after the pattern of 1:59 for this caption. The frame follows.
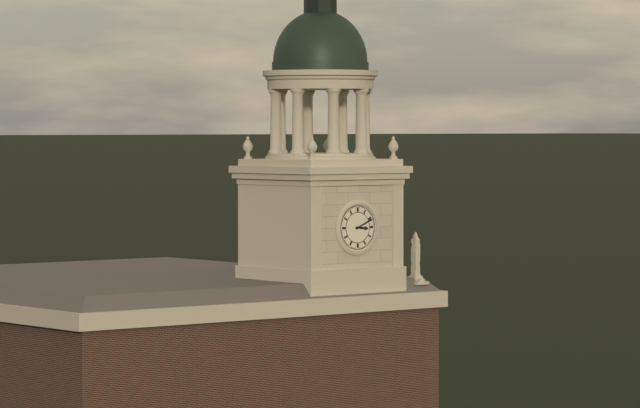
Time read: 3:11
